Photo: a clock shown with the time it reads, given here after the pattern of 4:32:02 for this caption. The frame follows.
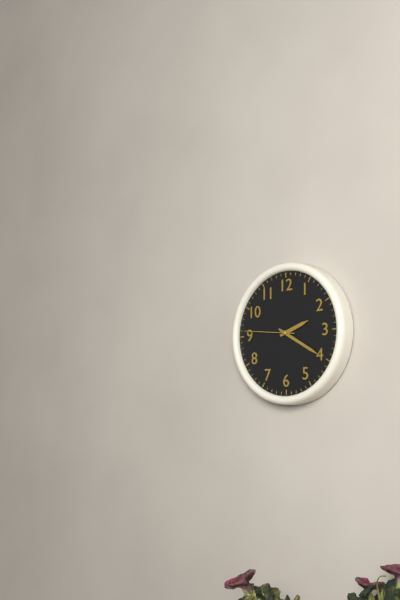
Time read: 2:20:46
